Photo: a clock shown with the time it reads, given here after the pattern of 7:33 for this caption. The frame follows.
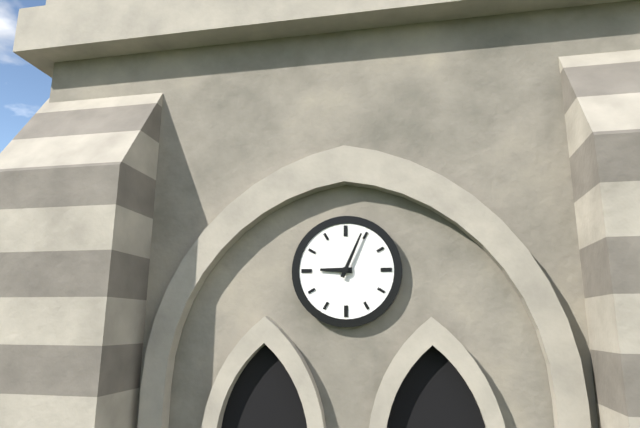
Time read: 9:04
